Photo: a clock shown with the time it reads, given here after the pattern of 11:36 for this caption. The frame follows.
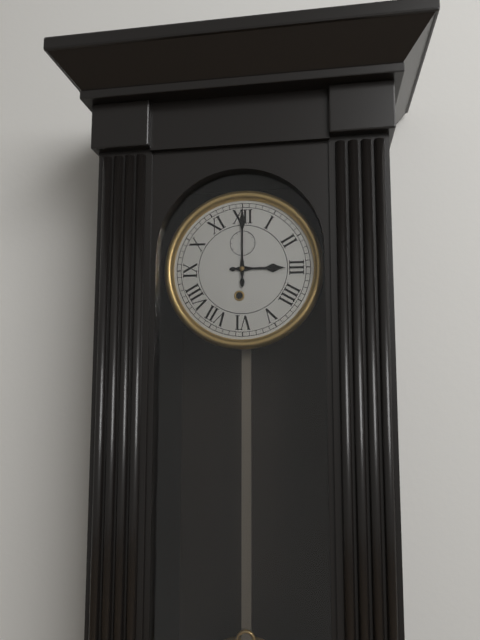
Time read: 3:00
